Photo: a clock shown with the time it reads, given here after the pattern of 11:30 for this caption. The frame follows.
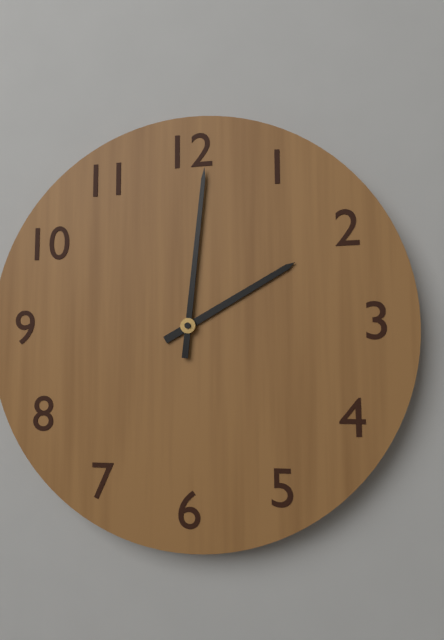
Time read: 2:01
